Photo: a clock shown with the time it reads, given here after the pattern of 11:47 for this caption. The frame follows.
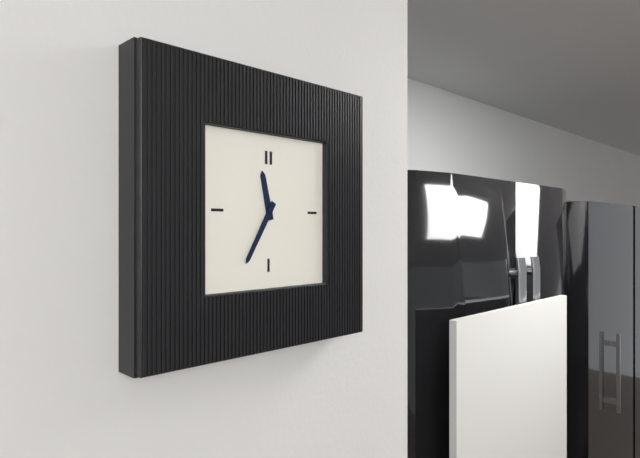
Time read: 11:35
